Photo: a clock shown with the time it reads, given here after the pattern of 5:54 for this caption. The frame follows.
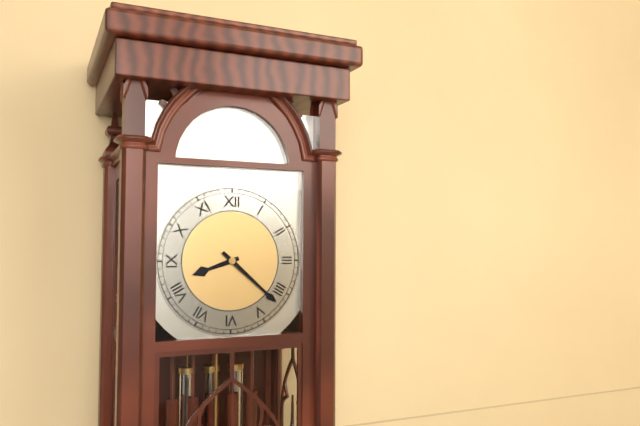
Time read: 8:22
